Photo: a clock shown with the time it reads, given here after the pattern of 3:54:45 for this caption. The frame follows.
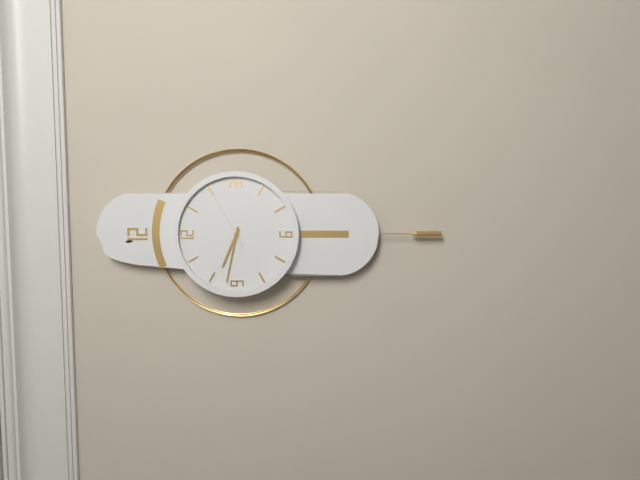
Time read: 9:47:10
